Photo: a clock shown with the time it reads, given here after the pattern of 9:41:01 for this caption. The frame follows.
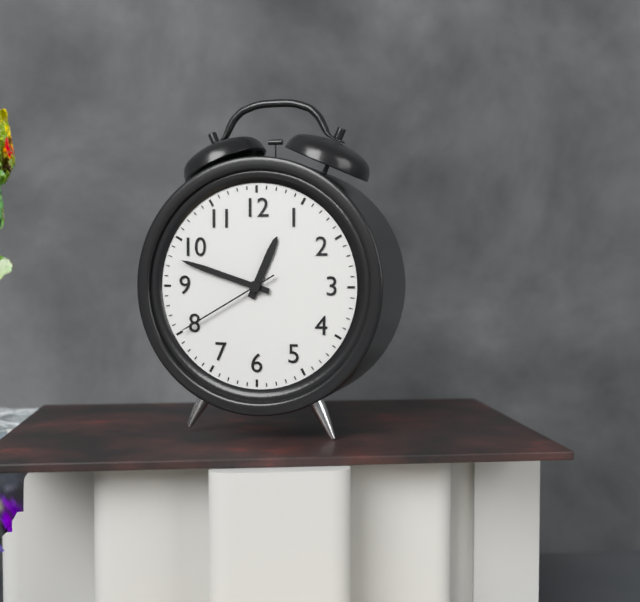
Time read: 12:48:40
